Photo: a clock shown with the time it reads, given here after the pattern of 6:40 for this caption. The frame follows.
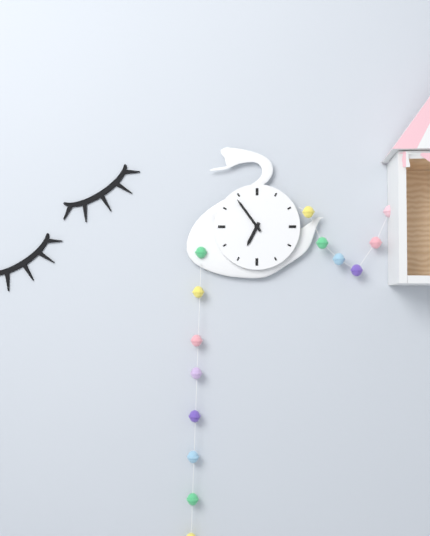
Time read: 6:54
